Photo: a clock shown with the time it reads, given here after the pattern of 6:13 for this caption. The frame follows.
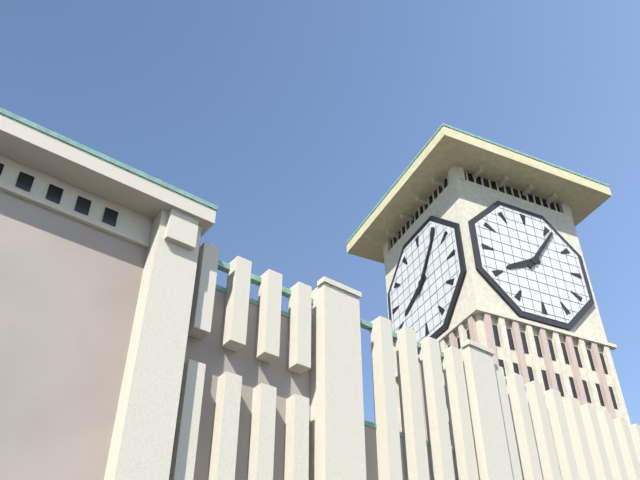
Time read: 8:06
